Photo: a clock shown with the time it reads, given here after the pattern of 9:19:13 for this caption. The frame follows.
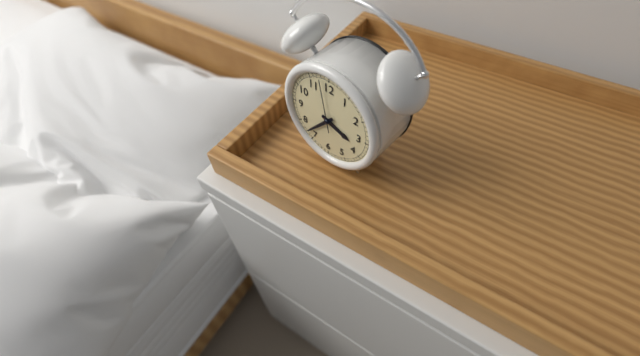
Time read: 3:37:58
